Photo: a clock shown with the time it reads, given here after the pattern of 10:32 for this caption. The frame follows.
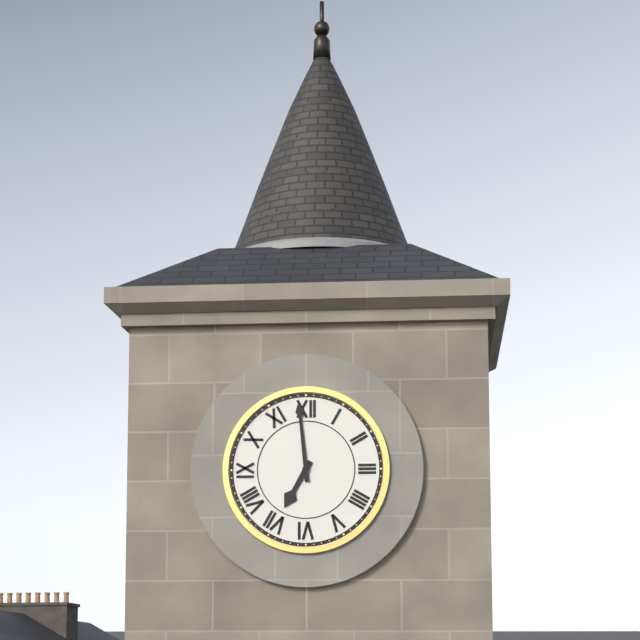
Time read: 6:59
